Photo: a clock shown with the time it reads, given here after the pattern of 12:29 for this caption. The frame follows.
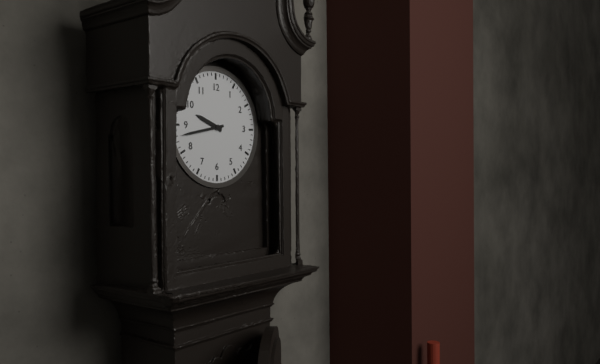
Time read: 9:43
